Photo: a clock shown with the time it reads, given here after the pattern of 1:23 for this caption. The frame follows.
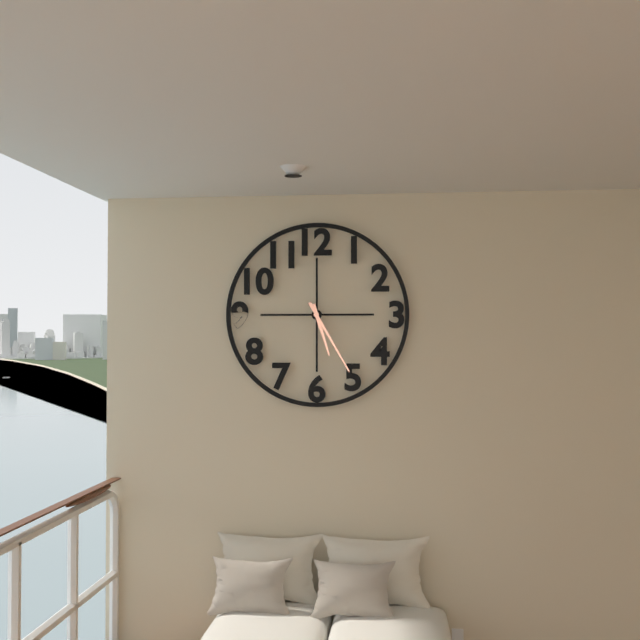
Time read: 5:25
